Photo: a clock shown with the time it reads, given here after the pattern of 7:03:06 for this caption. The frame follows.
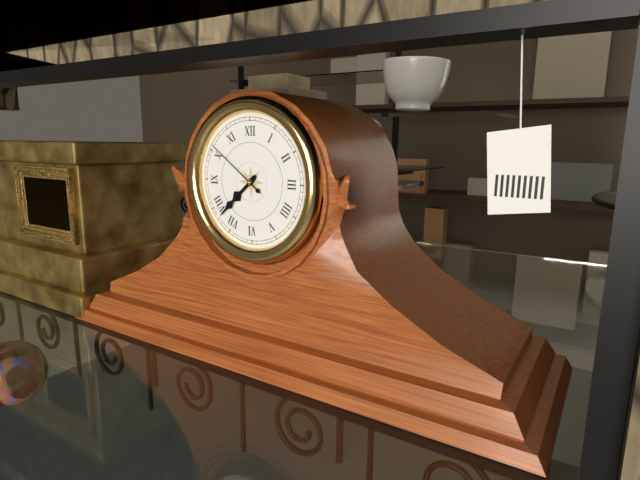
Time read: 7:38:51
